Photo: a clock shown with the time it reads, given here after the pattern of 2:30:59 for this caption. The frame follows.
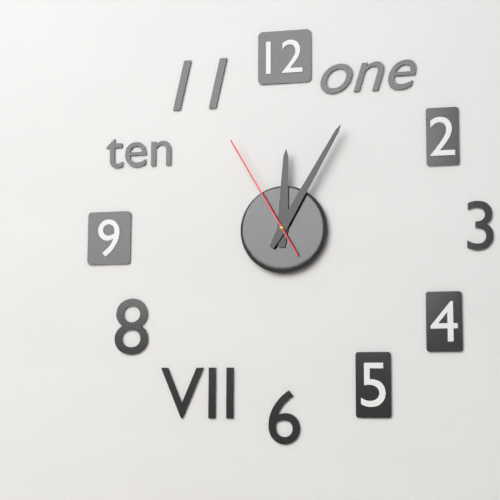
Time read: 12:05:55
